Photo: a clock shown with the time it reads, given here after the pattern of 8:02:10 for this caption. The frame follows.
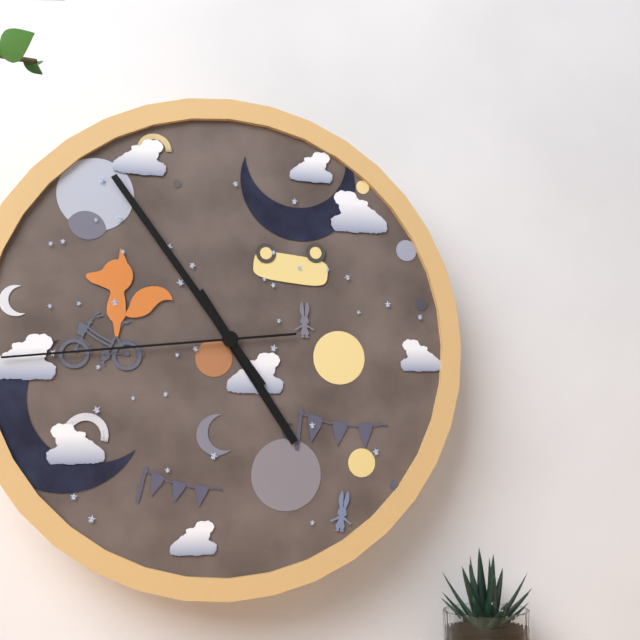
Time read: 4:54:44
